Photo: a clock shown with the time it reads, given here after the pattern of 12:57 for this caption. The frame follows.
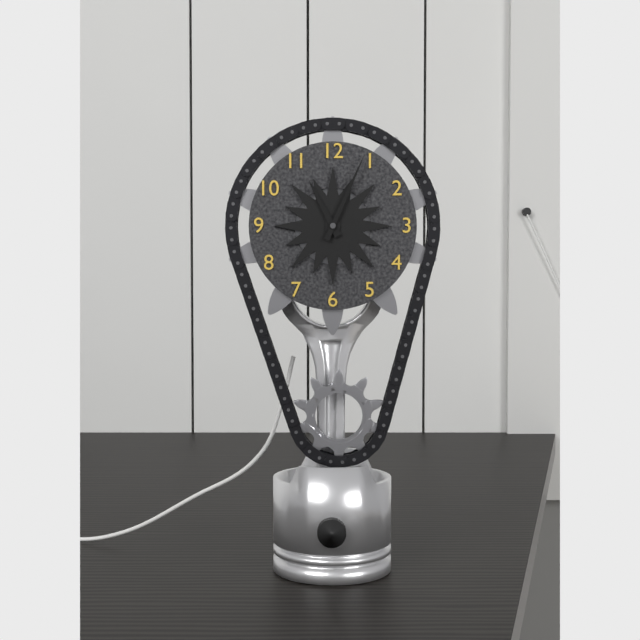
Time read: 11:04
